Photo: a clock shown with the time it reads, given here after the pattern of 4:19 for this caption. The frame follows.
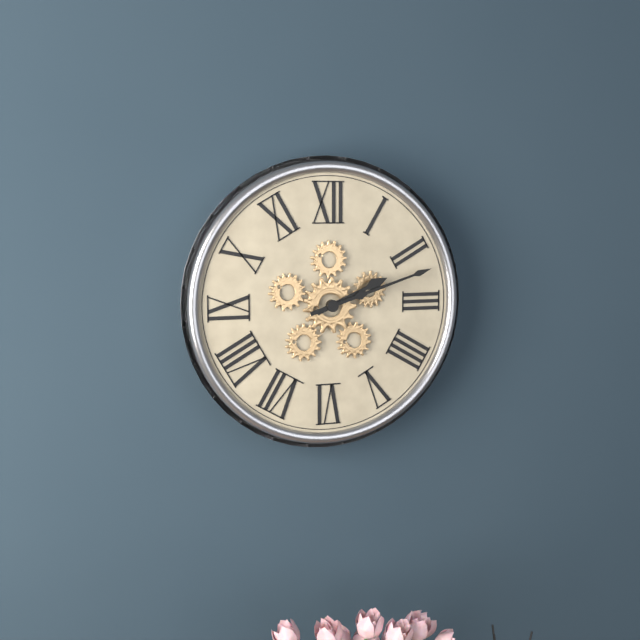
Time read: 2:12
